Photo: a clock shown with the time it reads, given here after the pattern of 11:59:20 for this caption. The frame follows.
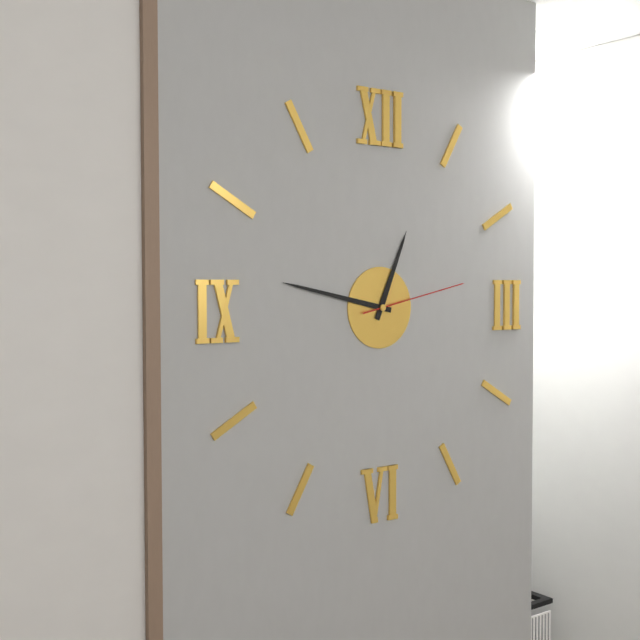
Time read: 12:47:13
